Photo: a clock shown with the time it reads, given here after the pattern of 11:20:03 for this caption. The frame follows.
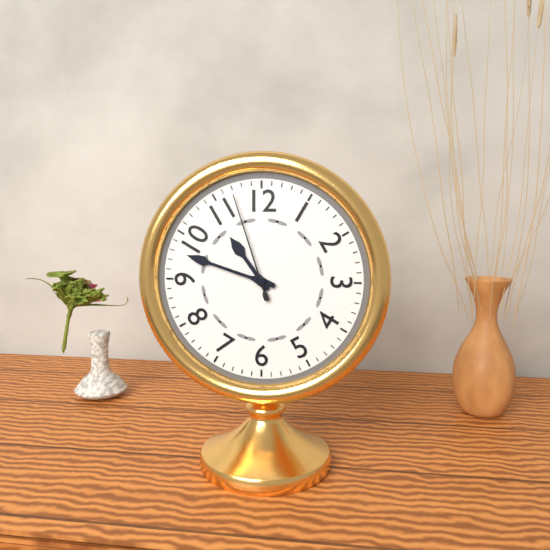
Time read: 10:48:57
